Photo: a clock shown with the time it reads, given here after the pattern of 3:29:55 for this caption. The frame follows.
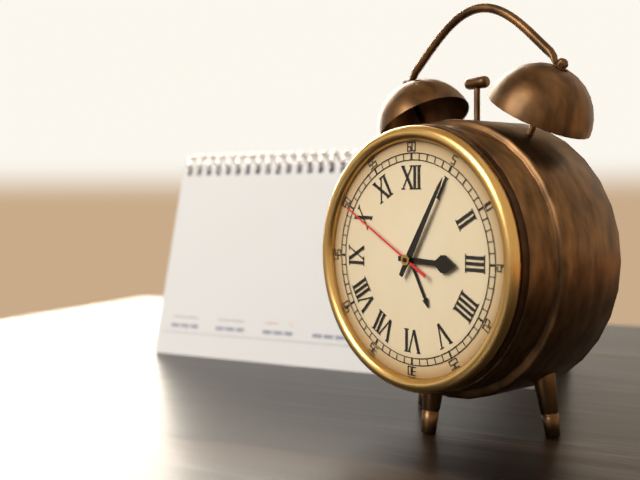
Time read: 3:05:50
